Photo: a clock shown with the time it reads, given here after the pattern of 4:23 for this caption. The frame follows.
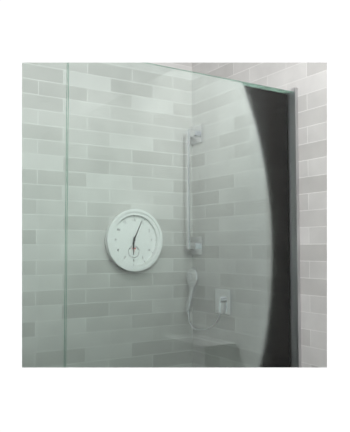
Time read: 6:04
